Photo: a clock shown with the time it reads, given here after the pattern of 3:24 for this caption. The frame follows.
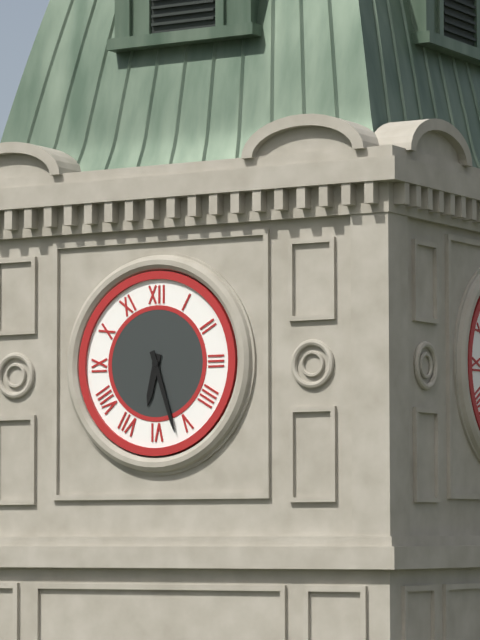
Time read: 6:27
